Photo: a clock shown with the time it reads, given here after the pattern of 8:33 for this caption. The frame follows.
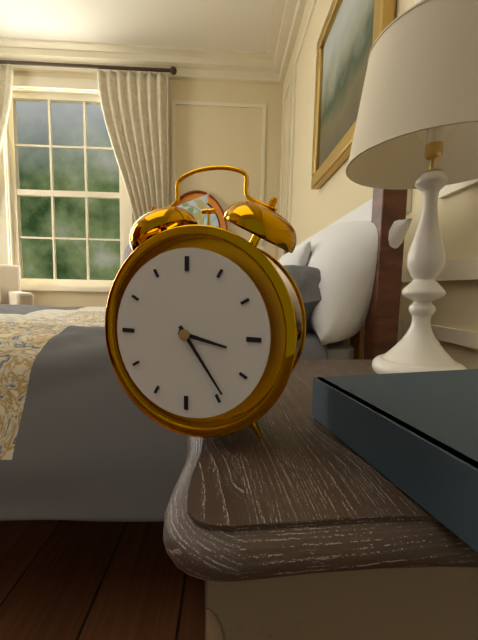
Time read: 3:24
